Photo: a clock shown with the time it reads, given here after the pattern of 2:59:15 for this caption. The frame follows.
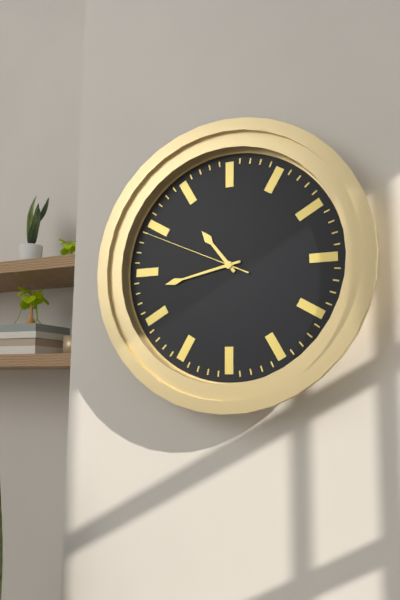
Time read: 10:43:49
